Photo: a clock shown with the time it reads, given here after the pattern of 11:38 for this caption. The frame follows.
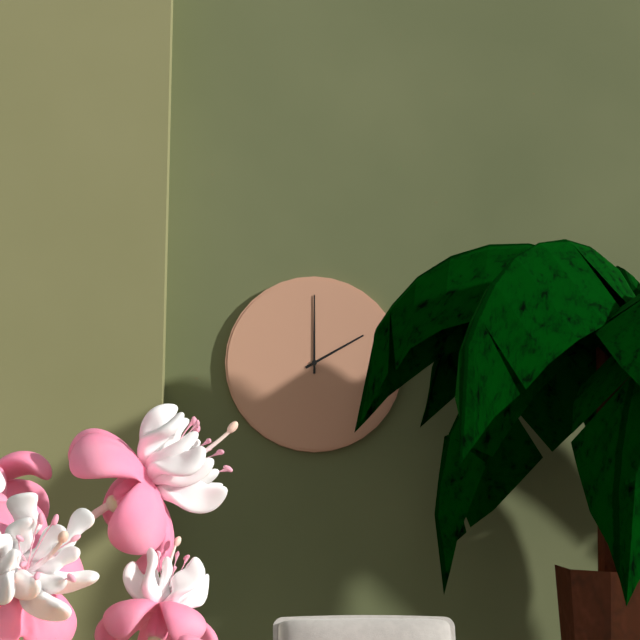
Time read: 2:00
